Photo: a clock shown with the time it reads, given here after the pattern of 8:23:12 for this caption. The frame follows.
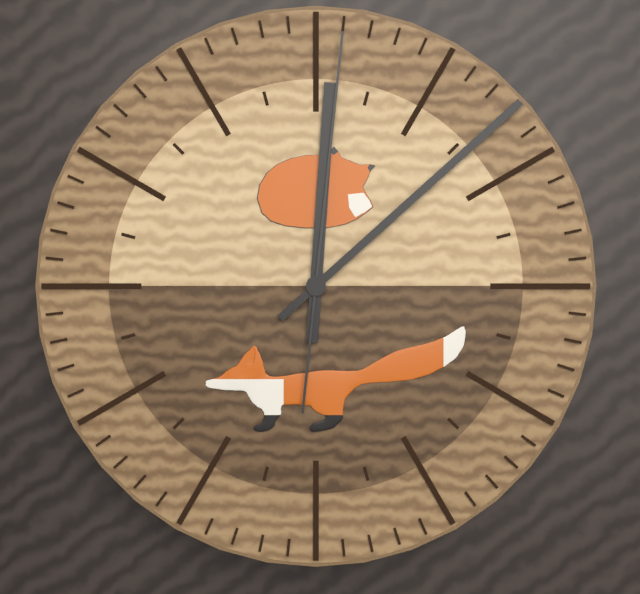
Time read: 12:08:01
